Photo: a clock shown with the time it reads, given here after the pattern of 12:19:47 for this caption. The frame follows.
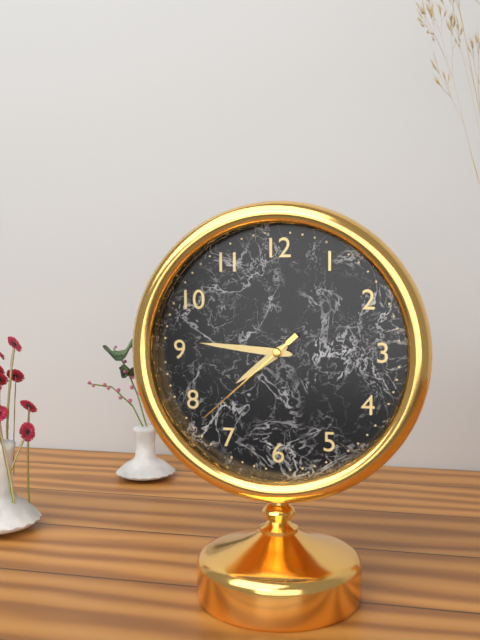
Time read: 7:46:38
